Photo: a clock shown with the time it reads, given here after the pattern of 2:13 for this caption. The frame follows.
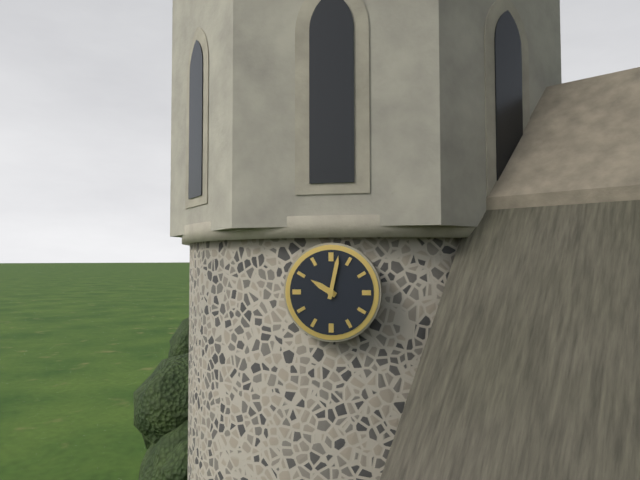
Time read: 10:02
